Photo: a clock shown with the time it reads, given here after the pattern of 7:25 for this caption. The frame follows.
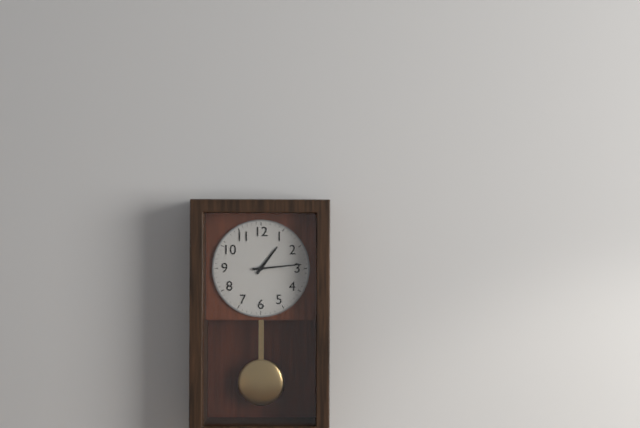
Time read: 1:14
